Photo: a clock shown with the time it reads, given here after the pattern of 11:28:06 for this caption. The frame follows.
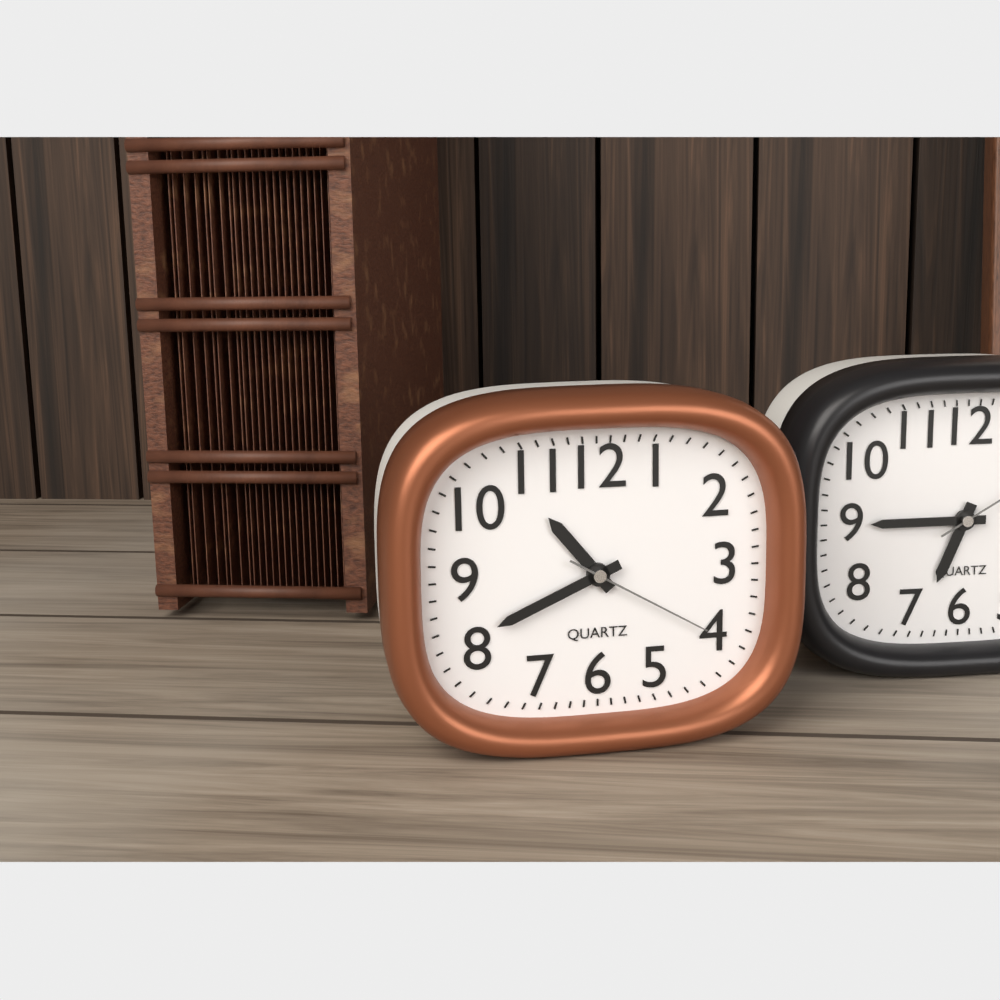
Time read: 10:41:20
